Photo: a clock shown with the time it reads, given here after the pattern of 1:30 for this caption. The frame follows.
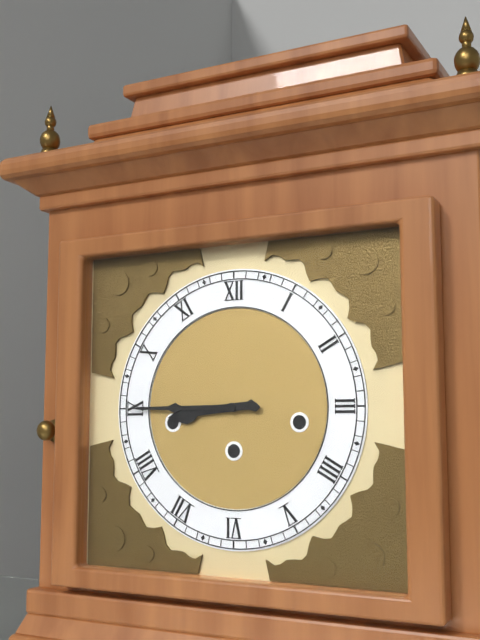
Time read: 8:45
